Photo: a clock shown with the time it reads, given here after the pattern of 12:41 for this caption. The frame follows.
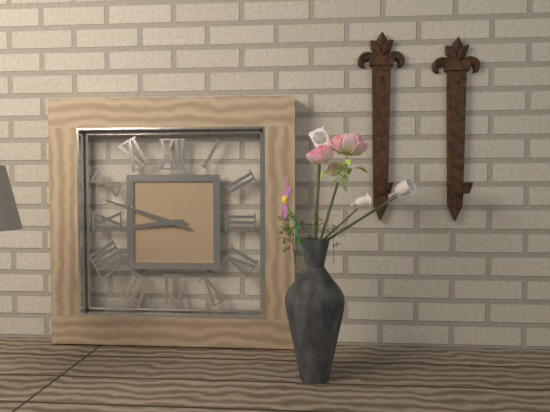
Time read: 8:48
